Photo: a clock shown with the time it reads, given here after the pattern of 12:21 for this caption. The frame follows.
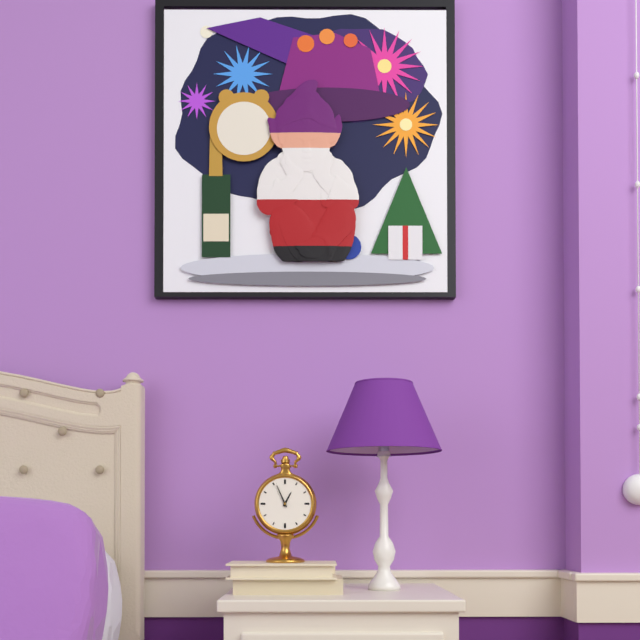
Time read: 12:56
